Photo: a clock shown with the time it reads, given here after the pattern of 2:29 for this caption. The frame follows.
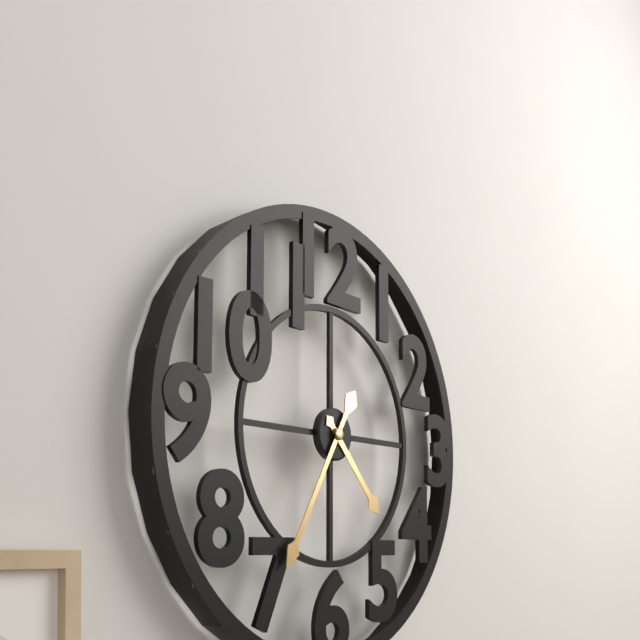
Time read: 4:35
